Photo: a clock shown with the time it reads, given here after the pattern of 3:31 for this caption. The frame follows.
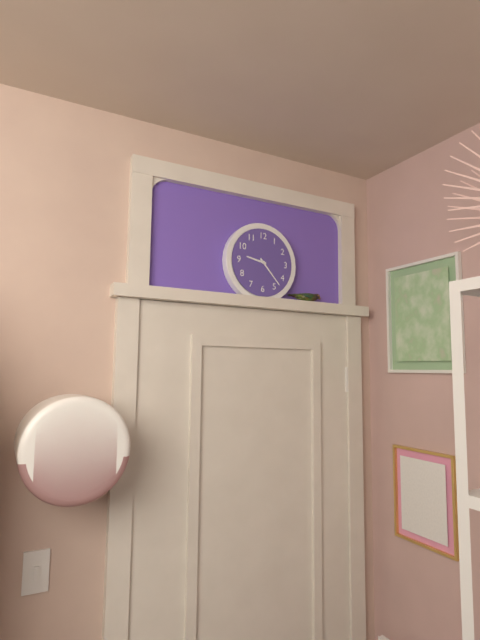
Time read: 9:23
